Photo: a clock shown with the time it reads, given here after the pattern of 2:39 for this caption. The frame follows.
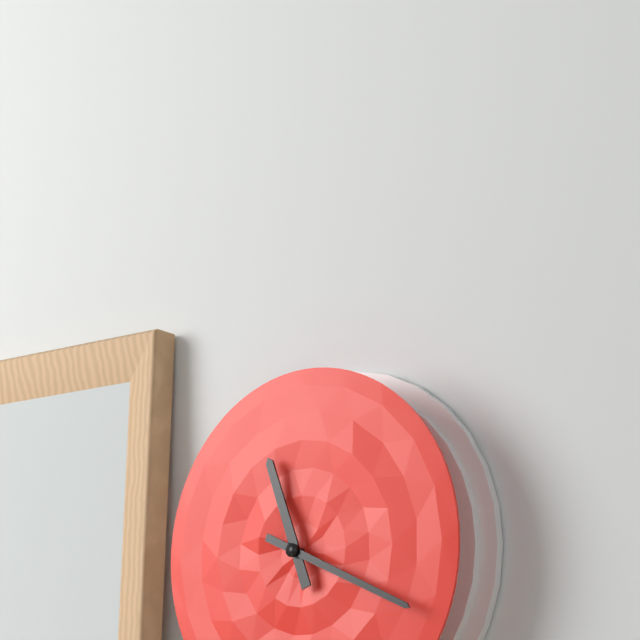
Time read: 11:19
